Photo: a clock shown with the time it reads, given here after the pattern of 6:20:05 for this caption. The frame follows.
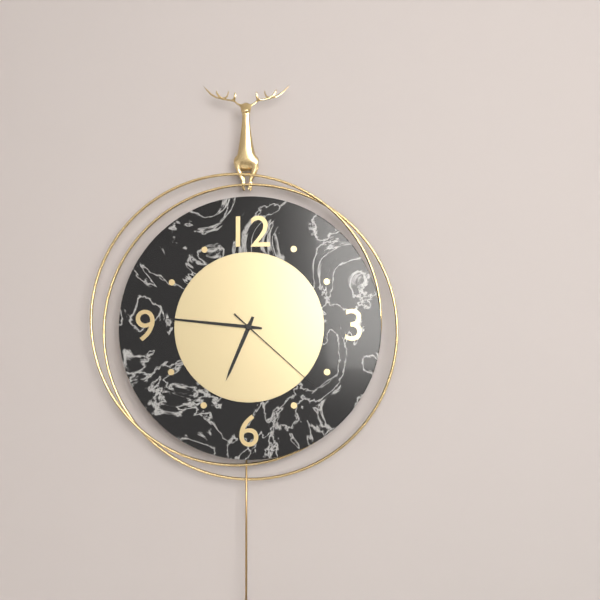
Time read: 6:46:22
